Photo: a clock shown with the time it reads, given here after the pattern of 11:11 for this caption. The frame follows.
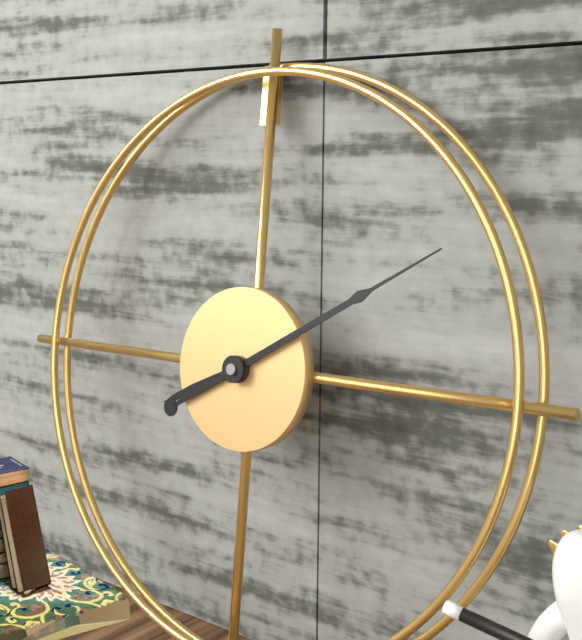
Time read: 8:10
